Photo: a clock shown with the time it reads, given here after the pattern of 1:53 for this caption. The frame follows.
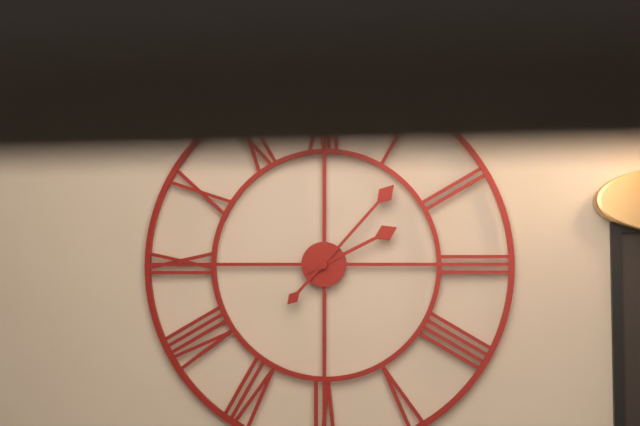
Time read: 2:07
